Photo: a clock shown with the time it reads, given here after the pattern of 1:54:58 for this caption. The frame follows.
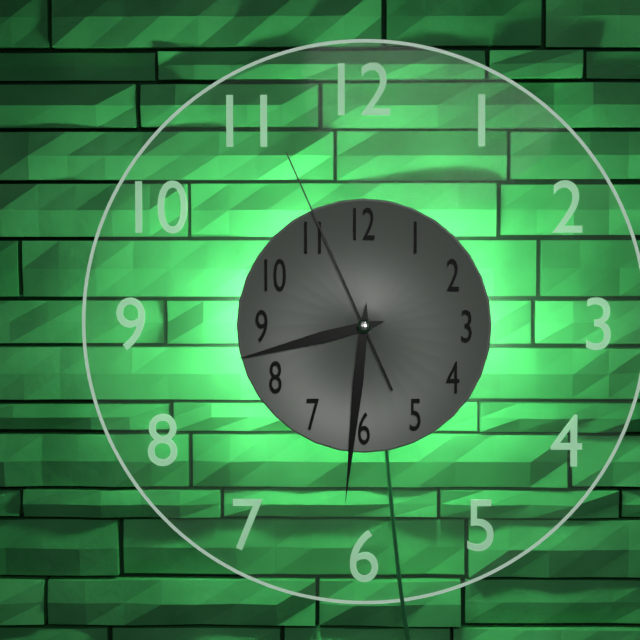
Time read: 8:31:56
